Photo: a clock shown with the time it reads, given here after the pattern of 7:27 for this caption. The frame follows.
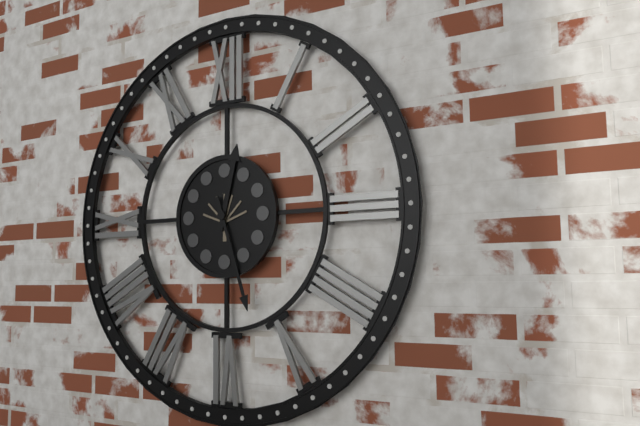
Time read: 12:27
